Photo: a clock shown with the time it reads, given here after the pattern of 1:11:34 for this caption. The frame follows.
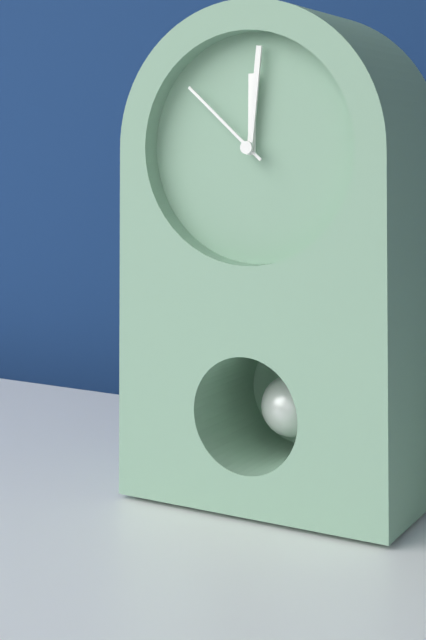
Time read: 12:01:52
